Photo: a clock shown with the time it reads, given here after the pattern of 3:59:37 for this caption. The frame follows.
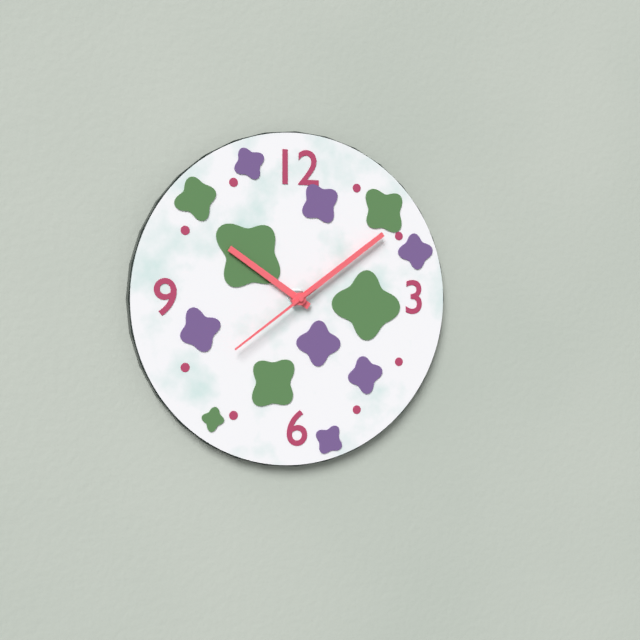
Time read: 10:09:39
